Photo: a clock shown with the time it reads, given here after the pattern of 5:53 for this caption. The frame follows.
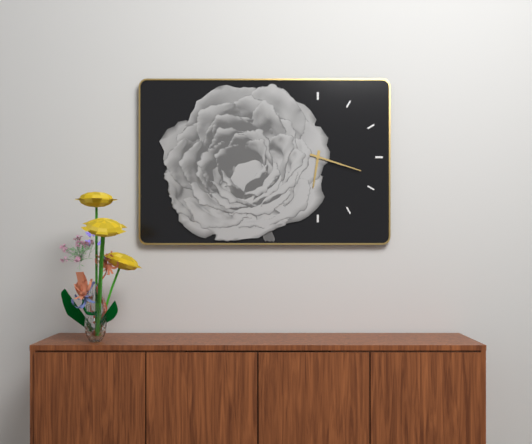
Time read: 6:18
